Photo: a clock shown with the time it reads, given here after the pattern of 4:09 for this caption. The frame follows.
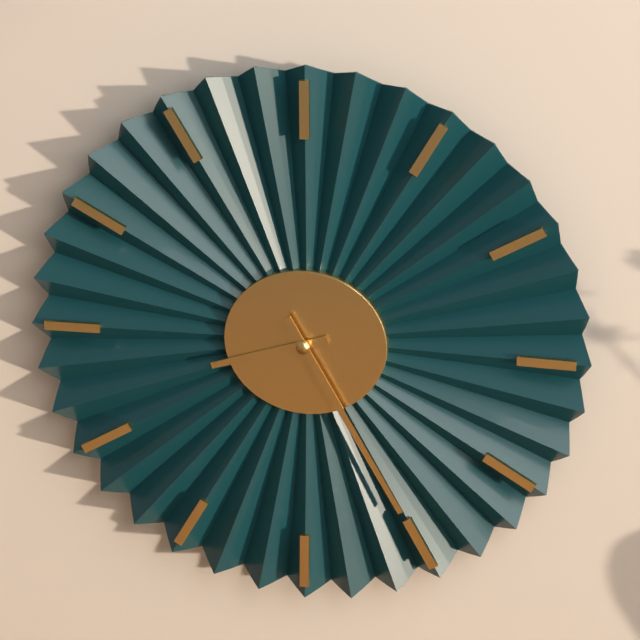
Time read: 8:25
